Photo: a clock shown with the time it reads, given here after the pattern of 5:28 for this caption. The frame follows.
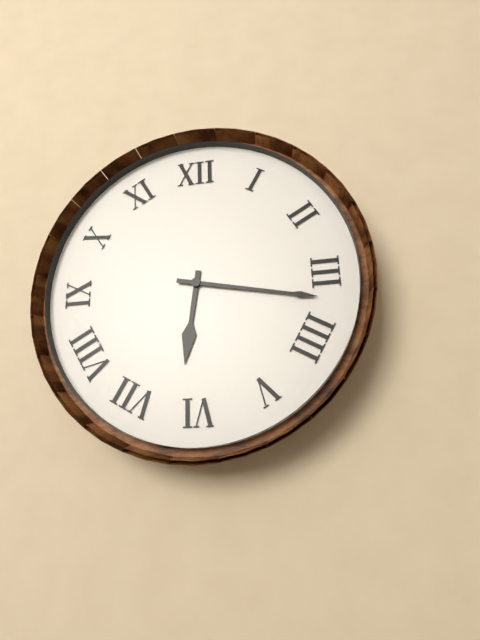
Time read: 6:17
